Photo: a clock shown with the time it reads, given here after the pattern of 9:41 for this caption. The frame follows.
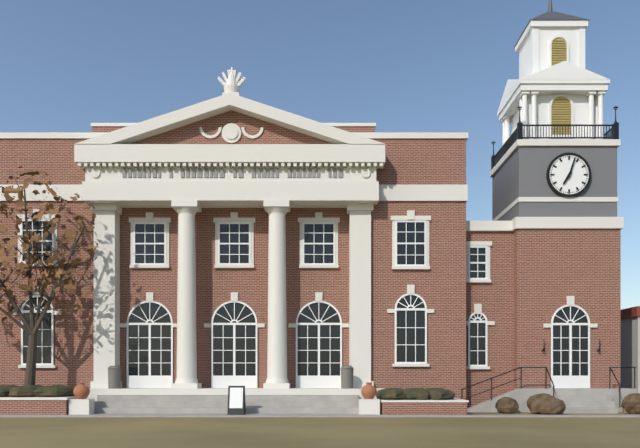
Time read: 7:03
